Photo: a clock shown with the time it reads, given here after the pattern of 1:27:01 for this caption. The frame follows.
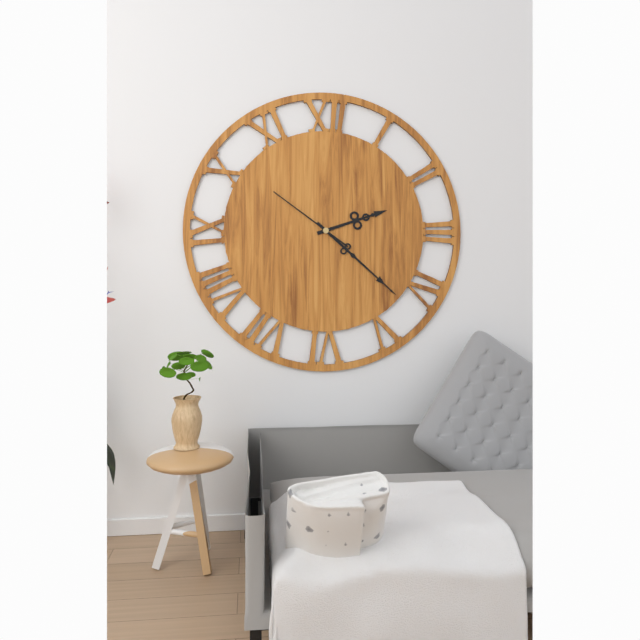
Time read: 2:22:51
